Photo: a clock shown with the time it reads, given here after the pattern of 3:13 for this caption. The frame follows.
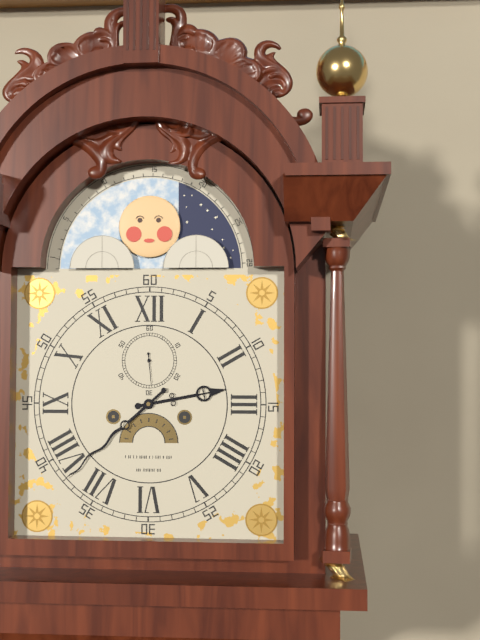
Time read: 2:38
